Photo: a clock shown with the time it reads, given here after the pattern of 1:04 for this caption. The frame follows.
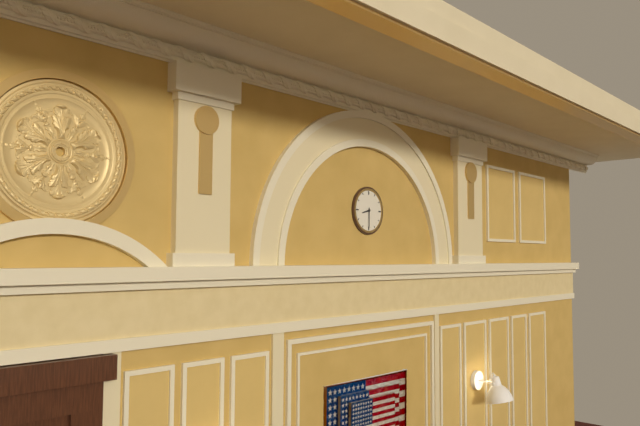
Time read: 8:30
